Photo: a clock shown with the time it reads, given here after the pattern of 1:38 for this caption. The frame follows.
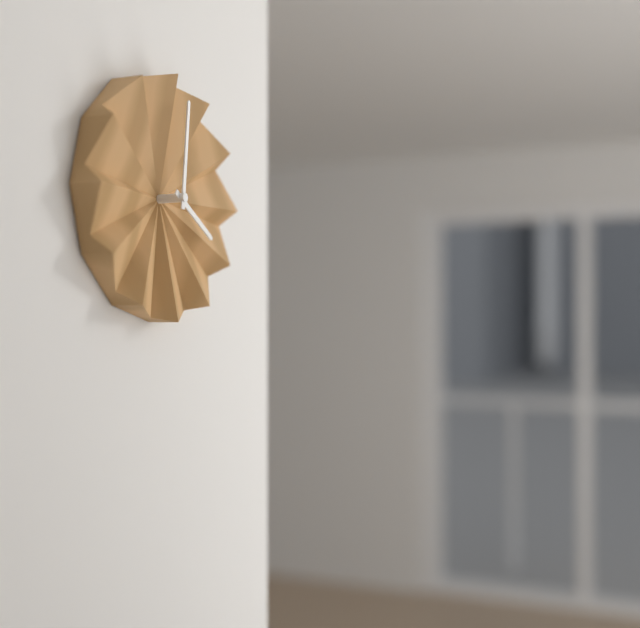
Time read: 4:01
